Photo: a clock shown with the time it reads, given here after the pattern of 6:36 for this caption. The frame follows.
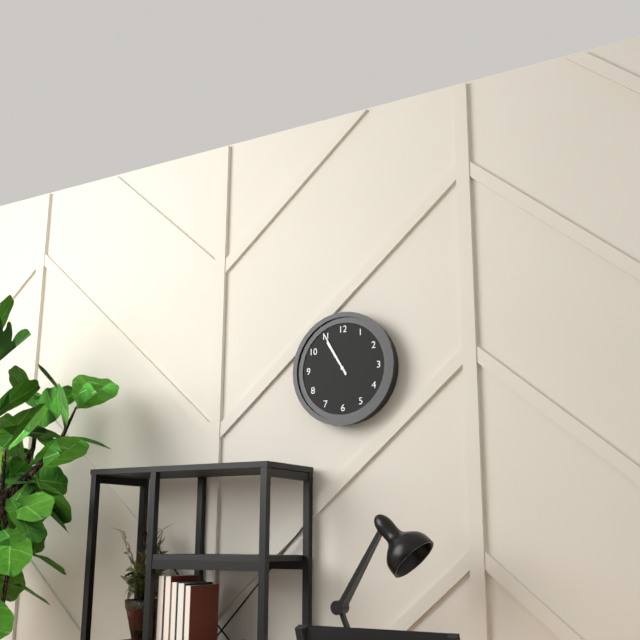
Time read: 10:55
